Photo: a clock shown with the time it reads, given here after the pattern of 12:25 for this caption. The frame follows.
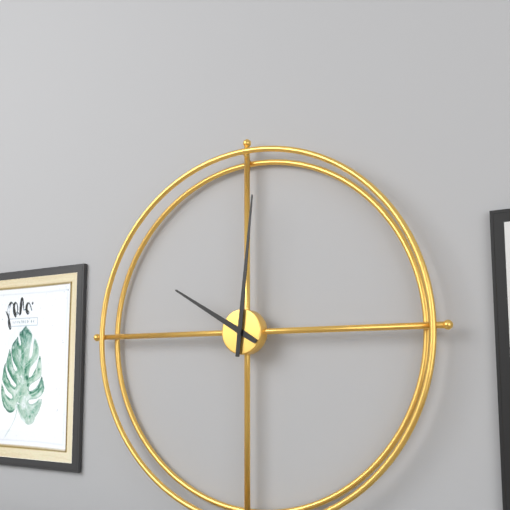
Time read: 10:01
